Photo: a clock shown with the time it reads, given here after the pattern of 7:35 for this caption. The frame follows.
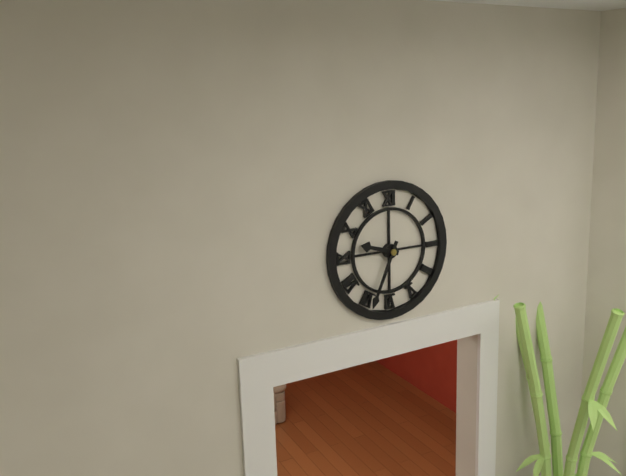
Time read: 9:34
